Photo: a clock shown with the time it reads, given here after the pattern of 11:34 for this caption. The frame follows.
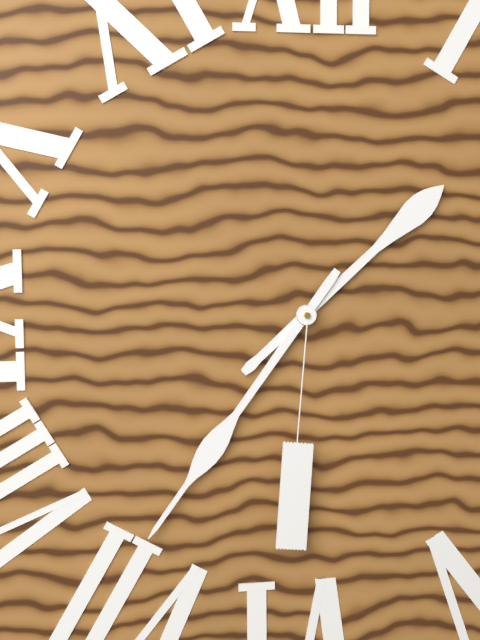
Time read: 1:36
